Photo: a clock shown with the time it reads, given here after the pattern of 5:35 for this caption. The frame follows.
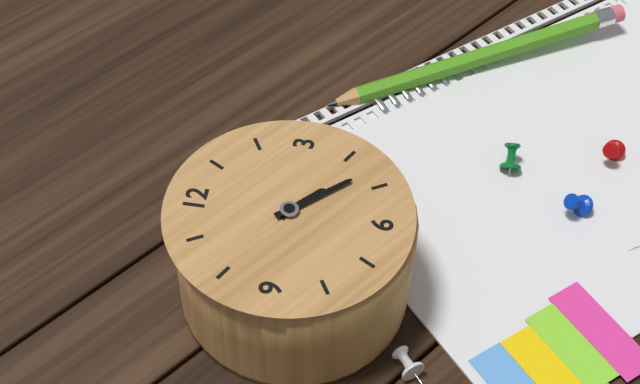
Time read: 4:23
